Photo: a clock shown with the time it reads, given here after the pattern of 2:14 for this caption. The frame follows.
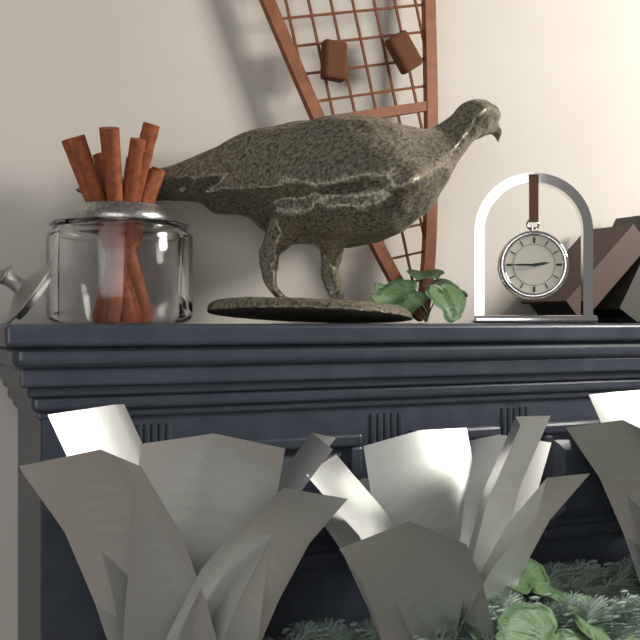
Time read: 2:45
